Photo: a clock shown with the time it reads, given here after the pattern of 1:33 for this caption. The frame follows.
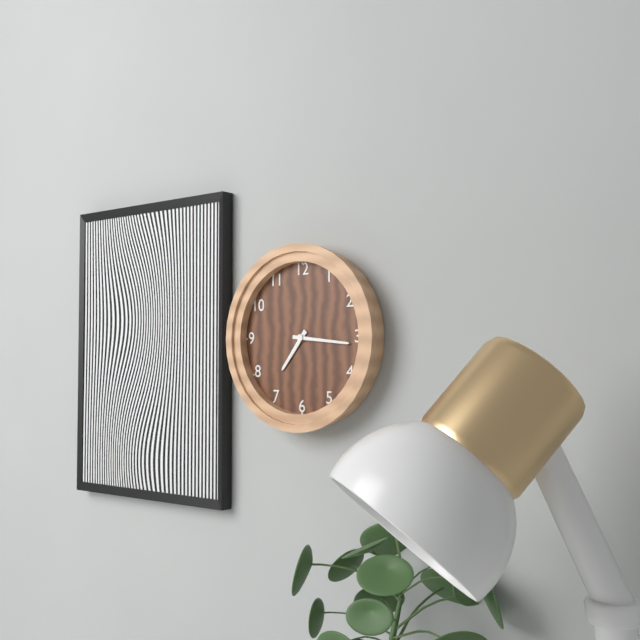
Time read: 7:16
